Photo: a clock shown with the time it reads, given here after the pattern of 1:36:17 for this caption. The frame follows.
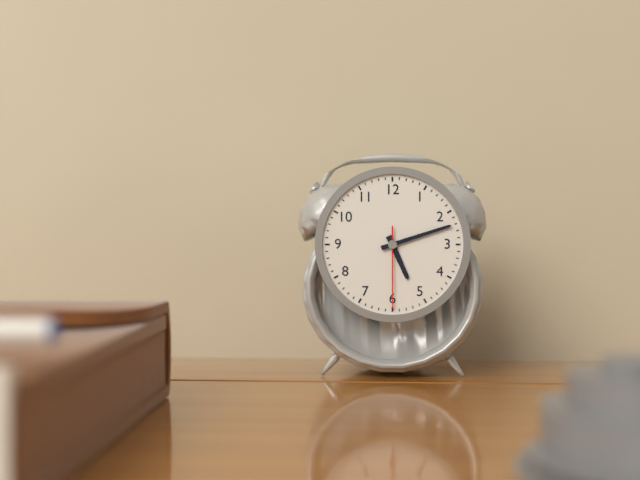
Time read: 5:12:30
